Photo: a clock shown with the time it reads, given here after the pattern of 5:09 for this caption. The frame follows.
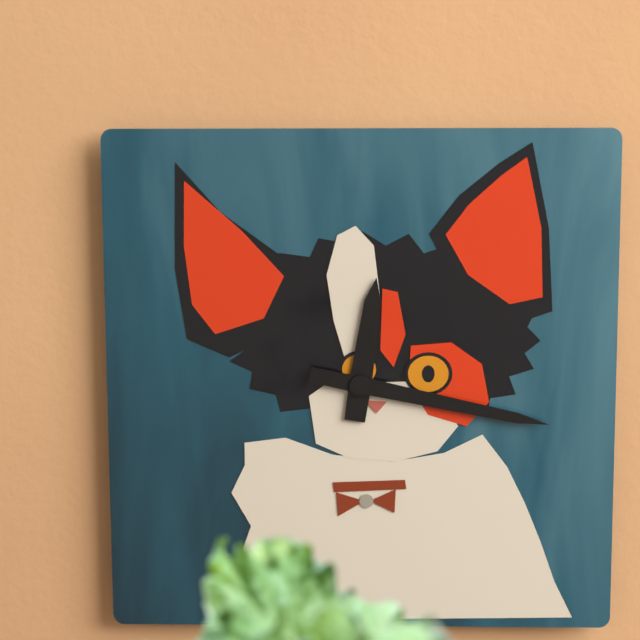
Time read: 12:17
